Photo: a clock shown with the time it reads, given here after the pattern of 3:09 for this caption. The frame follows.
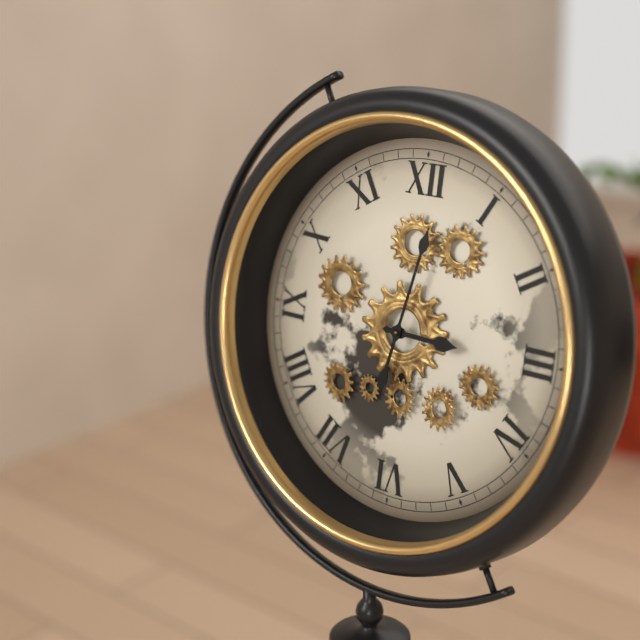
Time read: 3:02
